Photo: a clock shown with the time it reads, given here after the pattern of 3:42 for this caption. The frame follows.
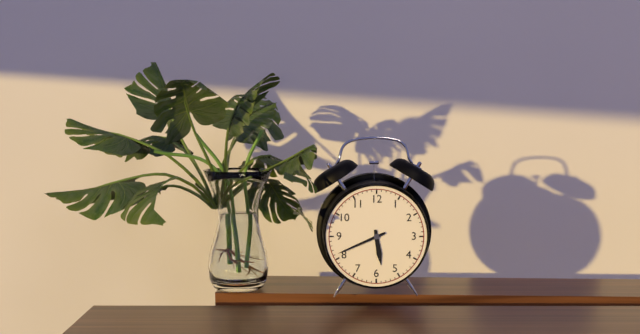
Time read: 5:41
